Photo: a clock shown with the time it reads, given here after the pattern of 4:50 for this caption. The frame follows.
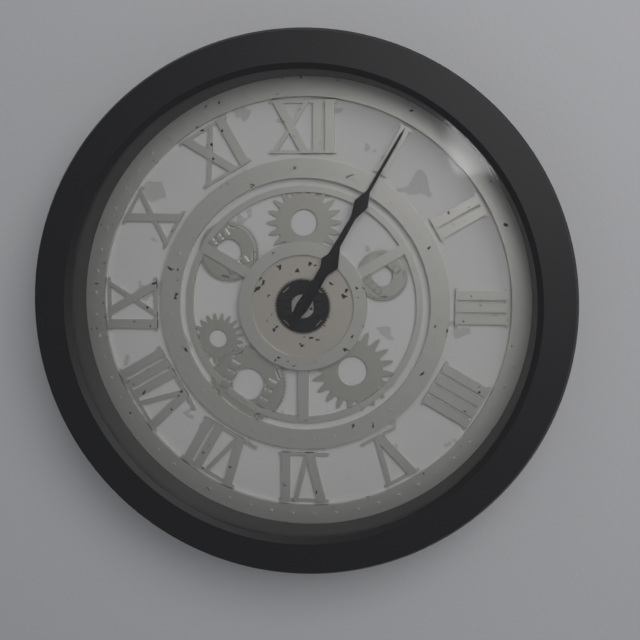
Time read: 1:05
